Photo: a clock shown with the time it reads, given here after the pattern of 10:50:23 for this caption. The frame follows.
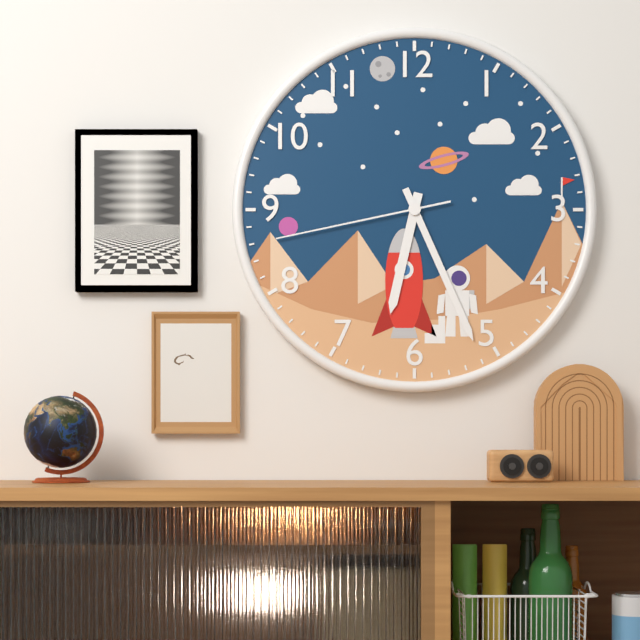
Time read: 6:26:43
